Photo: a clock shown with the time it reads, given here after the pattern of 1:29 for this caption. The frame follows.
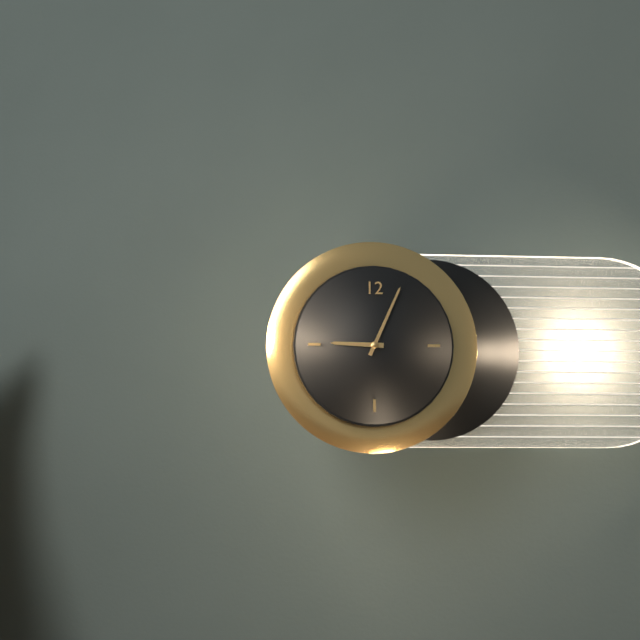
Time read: 9:04
